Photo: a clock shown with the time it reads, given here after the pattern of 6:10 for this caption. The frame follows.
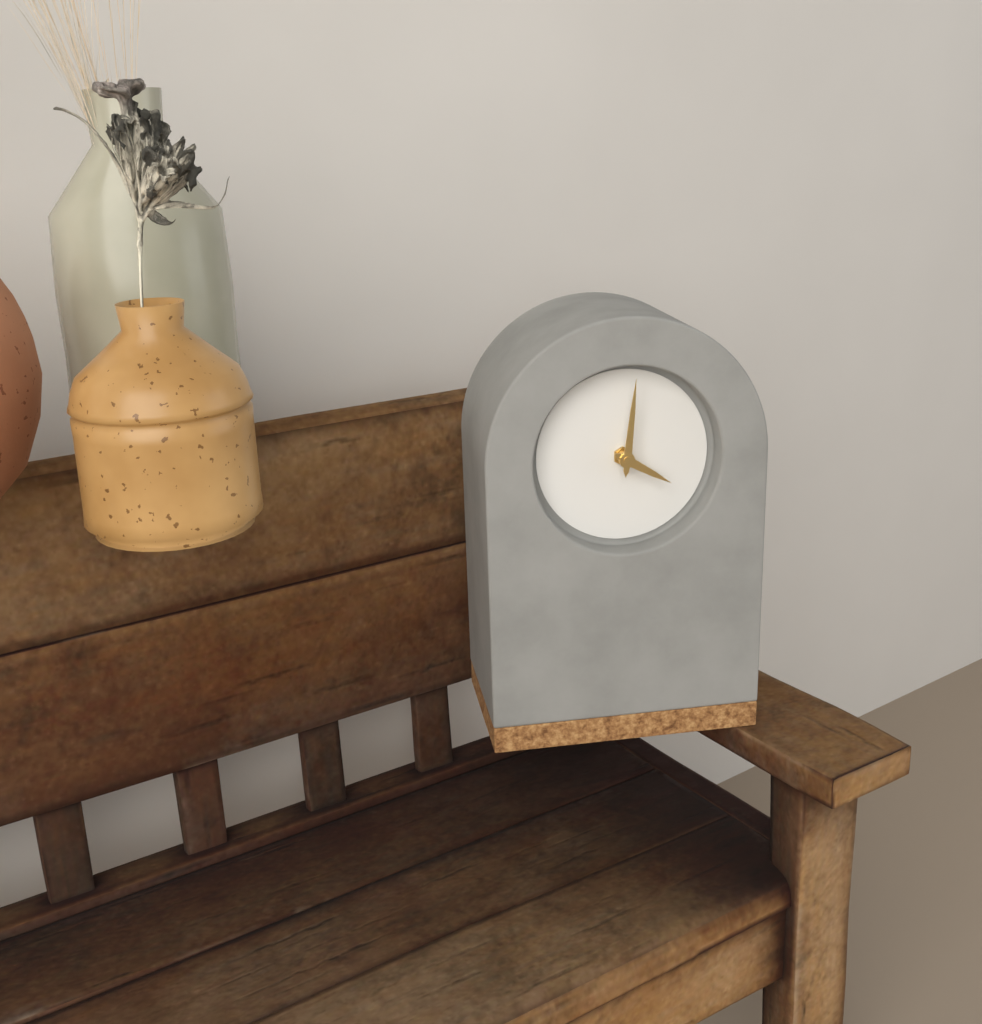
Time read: 4:01
